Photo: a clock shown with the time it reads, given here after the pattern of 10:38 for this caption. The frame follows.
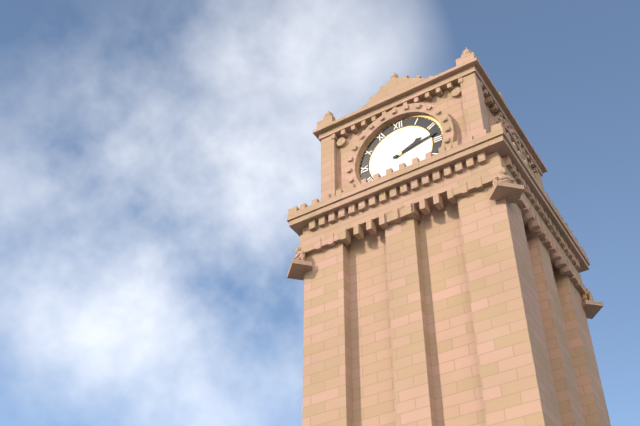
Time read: 2:13
